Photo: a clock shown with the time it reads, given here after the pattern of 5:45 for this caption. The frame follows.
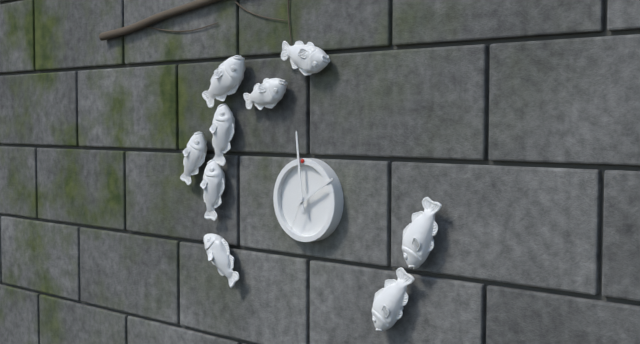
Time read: 1:59
